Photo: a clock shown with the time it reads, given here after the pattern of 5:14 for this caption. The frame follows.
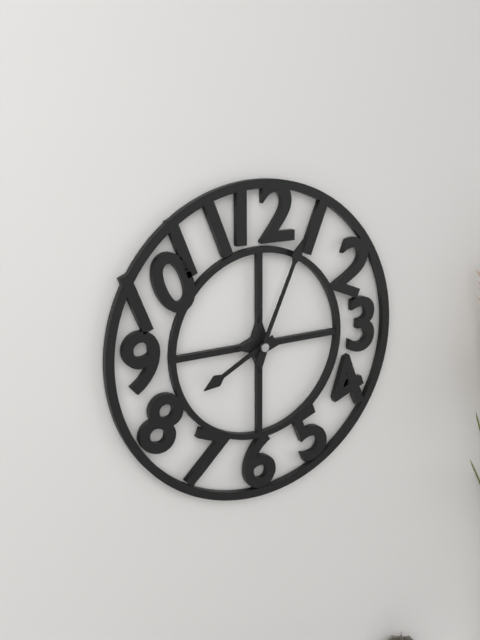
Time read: 8:04
